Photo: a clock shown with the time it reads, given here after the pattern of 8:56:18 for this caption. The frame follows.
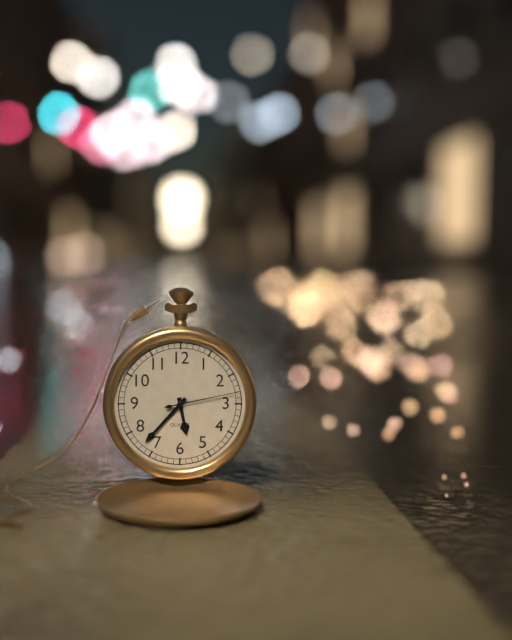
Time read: 5:37:13
